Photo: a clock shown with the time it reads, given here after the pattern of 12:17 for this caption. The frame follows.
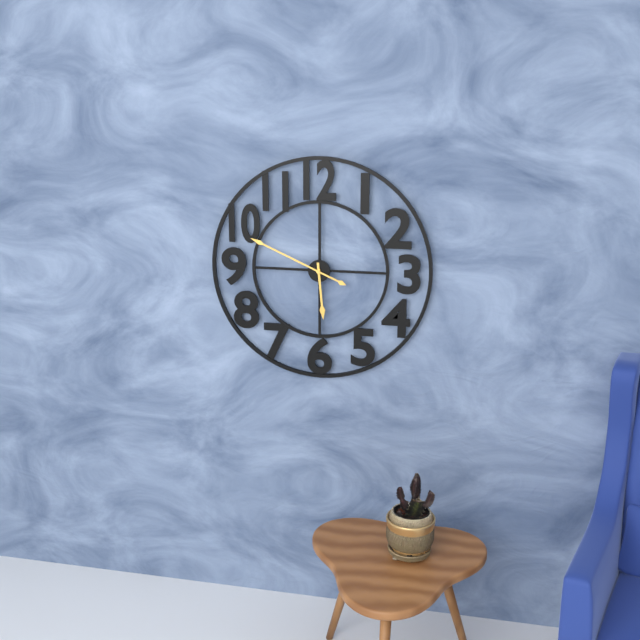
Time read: 5:49
